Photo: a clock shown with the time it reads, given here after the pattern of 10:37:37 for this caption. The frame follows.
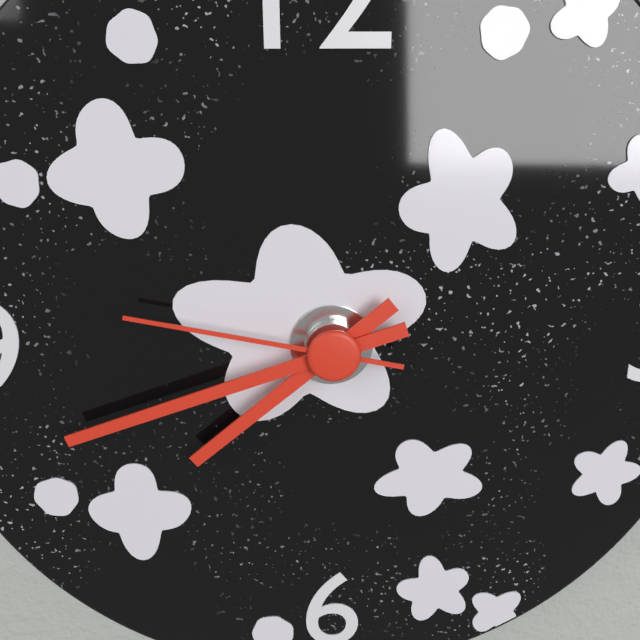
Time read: 7:42:47
